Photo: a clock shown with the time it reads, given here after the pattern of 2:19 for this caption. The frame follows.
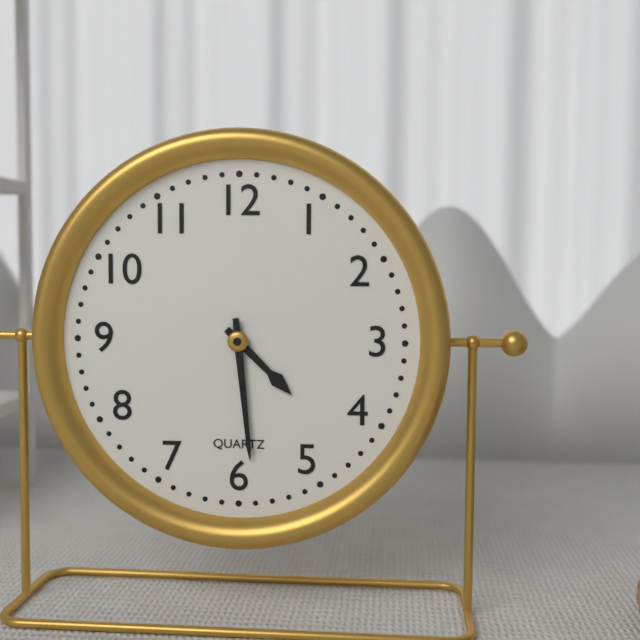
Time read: 4:29
